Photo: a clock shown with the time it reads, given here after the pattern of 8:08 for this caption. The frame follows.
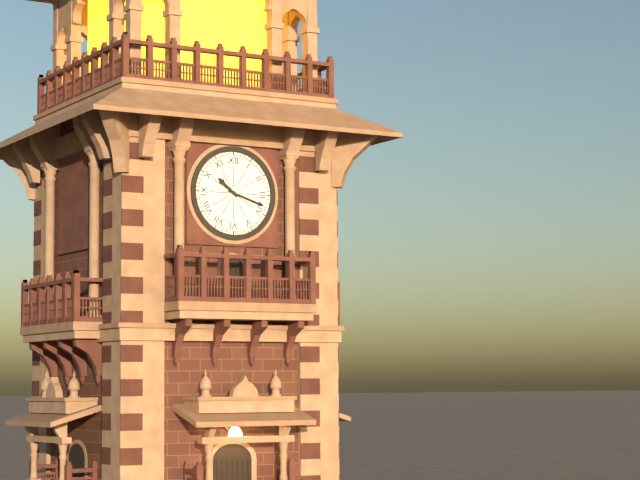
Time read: 10:18
